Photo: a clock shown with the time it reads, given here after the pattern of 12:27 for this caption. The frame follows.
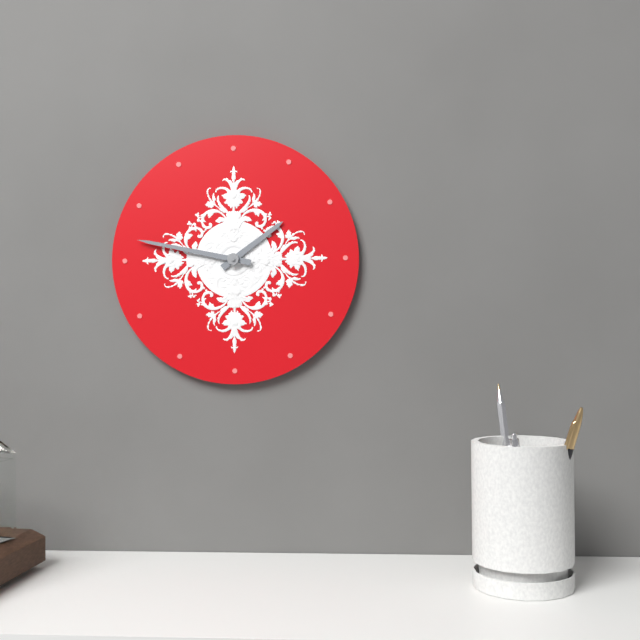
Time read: 1:47
